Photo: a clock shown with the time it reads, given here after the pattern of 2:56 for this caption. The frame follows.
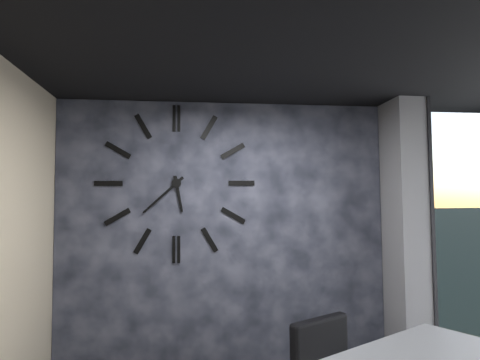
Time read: 5:38
